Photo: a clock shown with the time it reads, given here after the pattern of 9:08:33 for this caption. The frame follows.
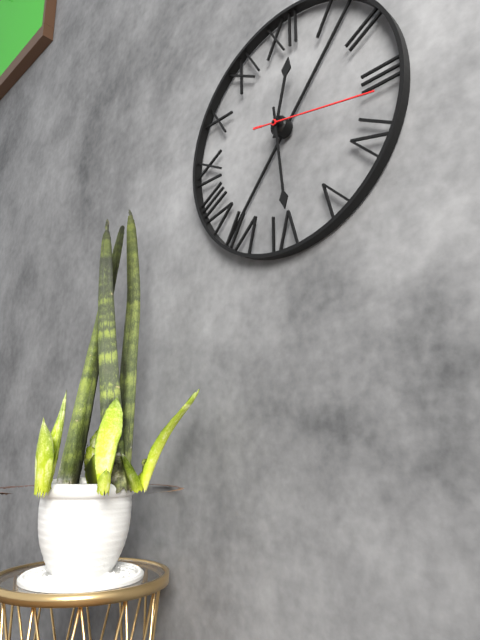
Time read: 12:29:17
